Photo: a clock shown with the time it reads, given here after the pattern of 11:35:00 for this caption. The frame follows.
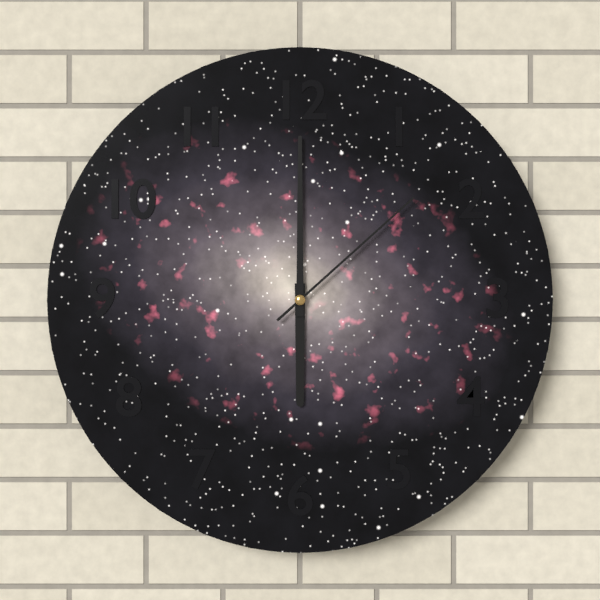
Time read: 6:00:08
